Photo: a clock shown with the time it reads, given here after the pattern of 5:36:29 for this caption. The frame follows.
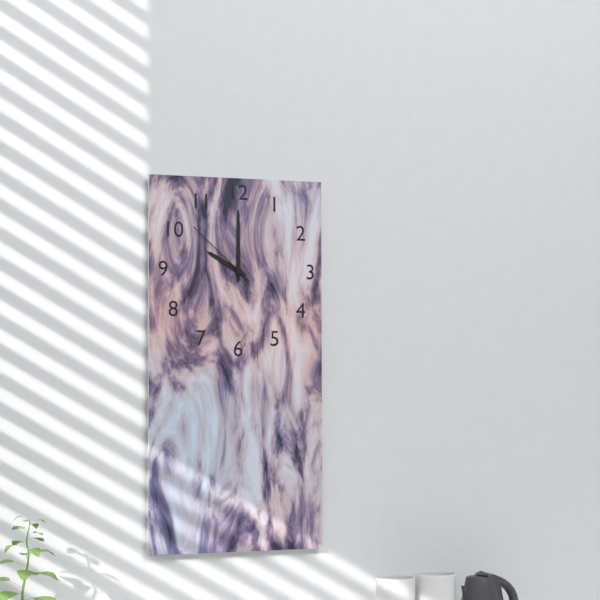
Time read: 10:00:52
